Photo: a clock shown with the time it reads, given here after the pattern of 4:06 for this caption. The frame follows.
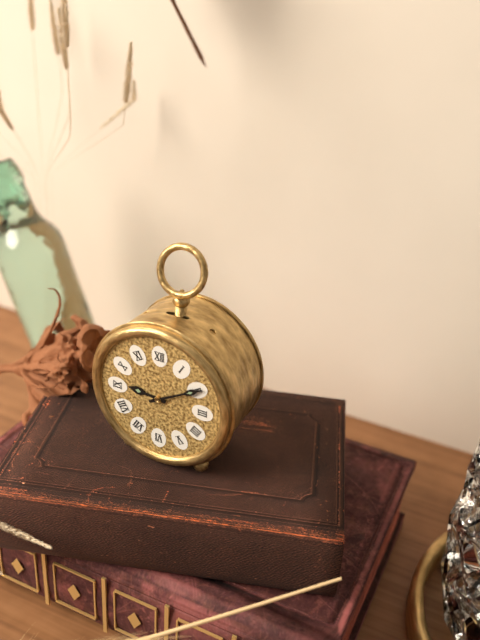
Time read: 9:10
